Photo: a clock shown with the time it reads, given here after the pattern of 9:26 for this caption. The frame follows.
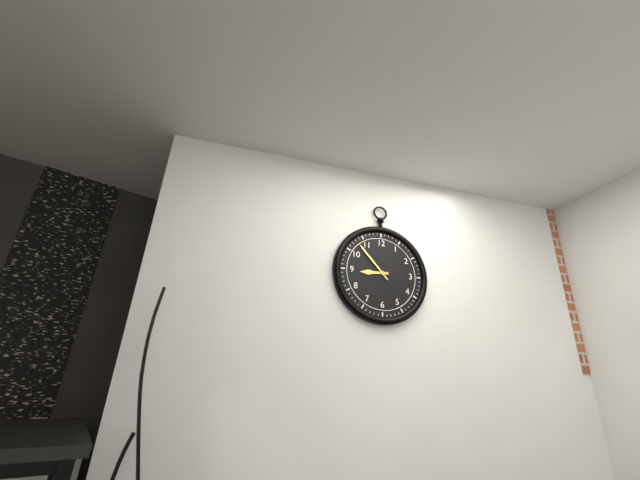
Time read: 8:53
